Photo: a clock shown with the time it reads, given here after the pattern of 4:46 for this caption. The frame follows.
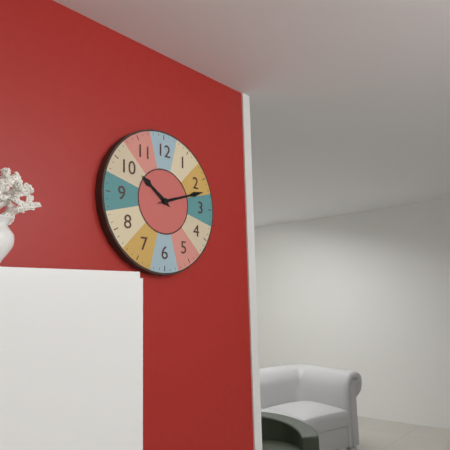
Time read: 10:12
